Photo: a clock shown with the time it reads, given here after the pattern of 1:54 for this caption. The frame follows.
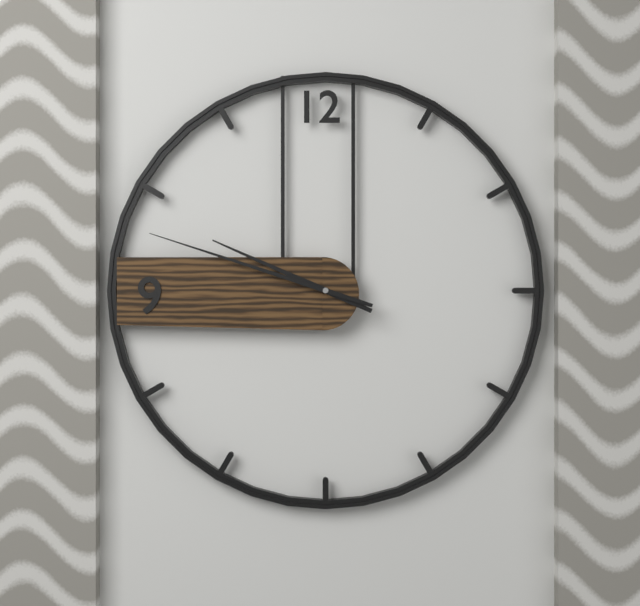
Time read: 9:48
